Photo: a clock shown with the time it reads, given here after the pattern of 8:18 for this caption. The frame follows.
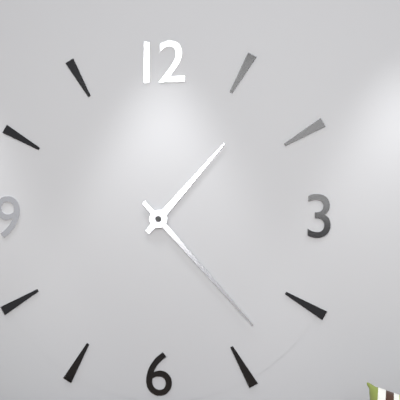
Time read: 1:23
